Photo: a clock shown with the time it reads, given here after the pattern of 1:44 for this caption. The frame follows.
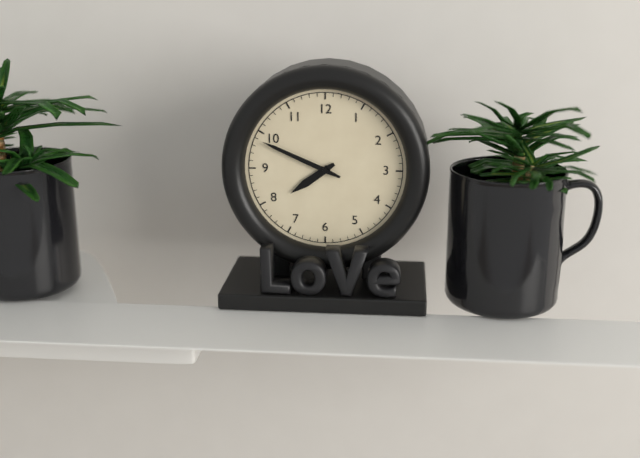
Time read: 7:49
